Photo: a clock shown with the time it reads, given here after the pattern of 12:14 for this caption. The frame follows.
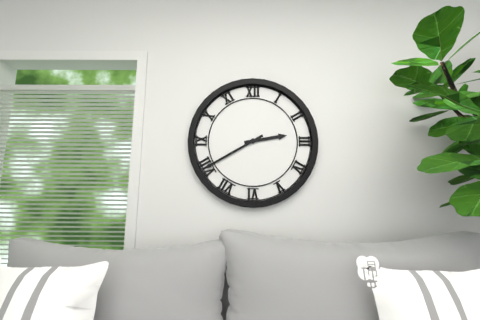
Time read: 2:40
